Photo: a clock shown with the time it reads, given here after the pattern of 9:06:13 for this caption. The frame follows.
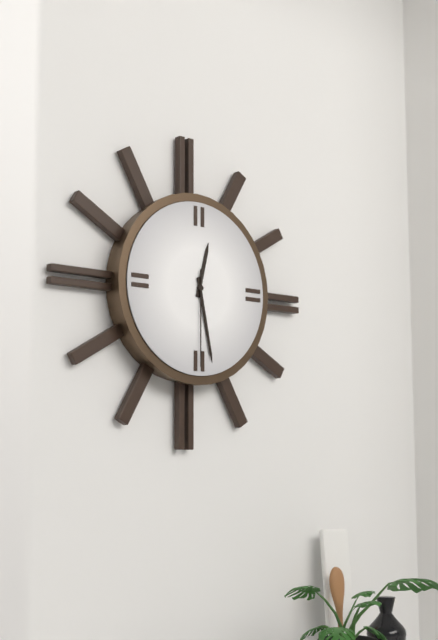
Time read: 12:28:30
